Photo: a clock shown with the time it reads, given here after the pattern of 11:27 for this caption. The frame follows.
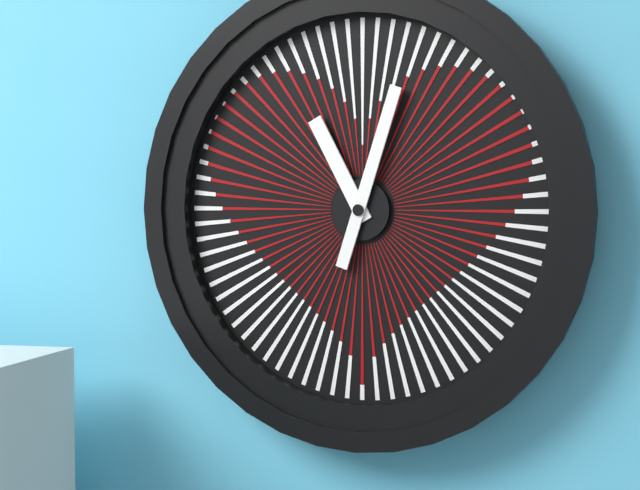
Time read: 11:03
